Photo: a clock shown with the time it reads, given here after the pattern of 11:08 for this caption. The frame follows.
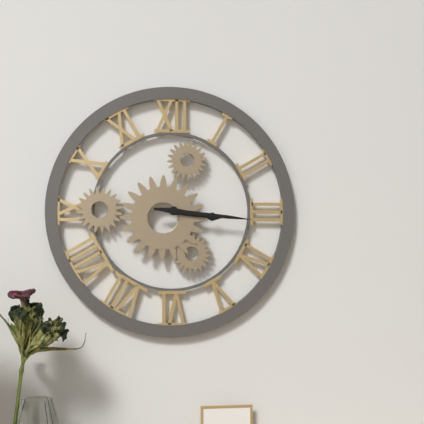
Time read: 3:16
